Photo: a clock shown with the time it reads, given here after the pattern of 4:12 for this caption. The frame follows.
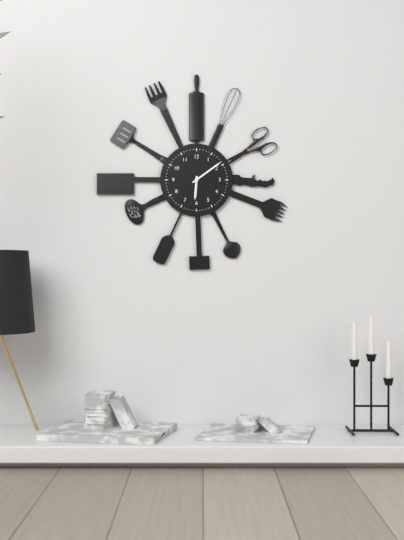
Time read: 6:09
